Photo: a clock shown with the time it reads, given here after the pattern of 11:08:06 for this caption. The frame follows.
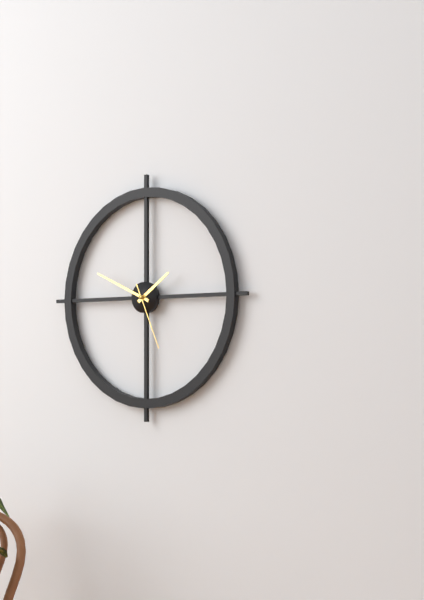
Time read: 1:49:26
